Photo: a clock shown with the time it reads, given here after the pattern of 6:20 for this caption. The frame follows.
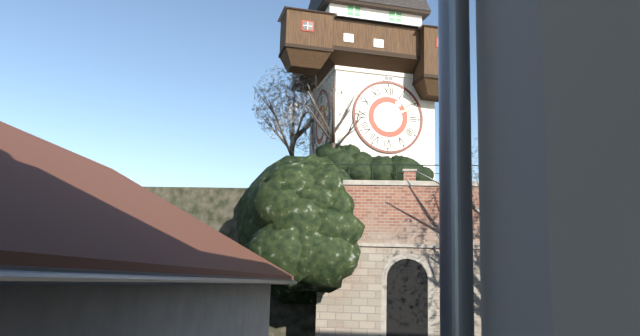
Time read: 1:11
